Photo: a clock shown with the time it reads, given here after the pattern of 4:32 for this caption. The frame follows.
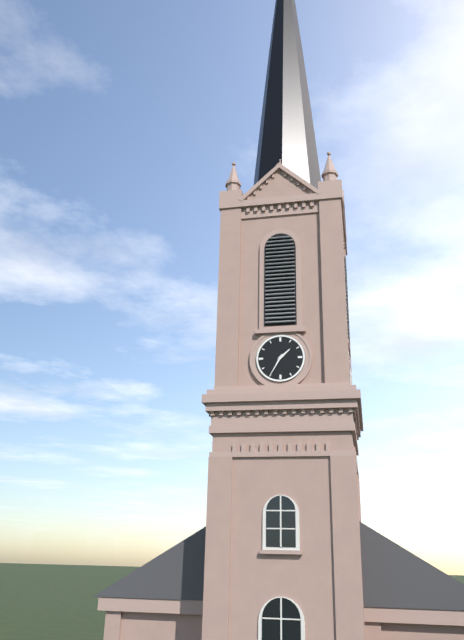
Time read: 1:35
